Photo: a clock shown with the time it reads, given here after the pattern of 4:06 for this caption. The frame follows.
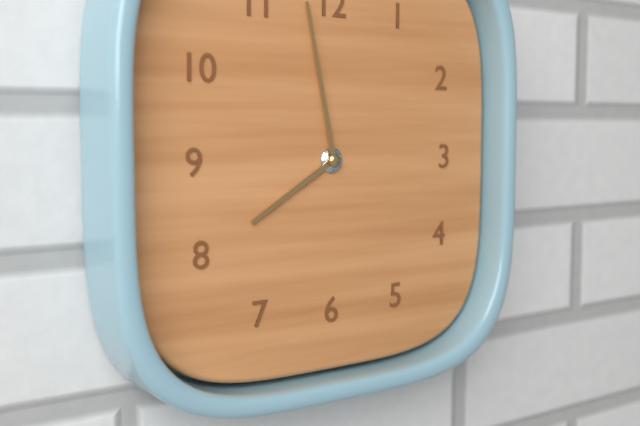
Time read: 7:58
